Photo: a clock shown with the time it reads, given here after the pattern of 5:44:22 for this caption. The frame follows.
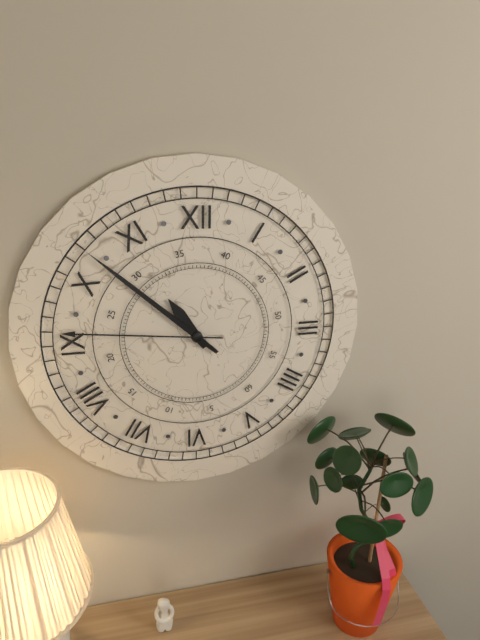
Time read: 10:52:46
